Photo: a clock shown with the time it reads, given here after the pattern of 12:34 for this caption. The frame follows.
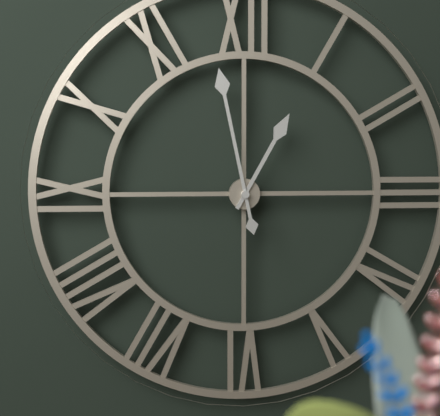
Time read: 12:58
